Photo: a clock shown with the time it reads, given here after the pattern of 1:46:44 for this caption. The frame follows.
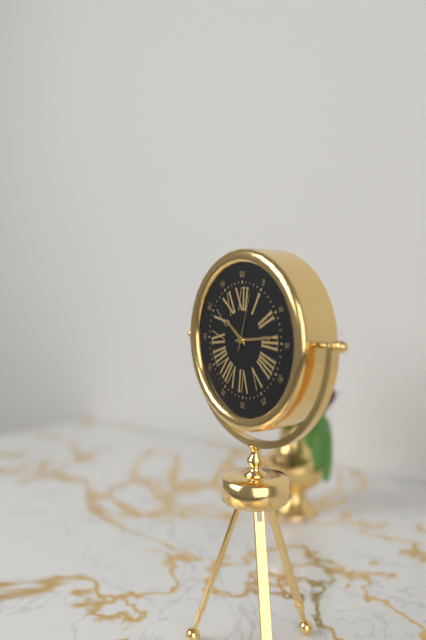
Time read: 10:14:03
